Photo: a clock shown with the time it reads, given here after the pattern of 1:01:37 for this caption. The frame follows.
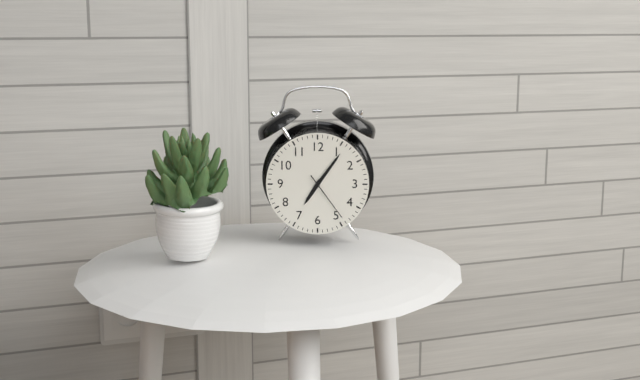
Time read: 7:06:24
